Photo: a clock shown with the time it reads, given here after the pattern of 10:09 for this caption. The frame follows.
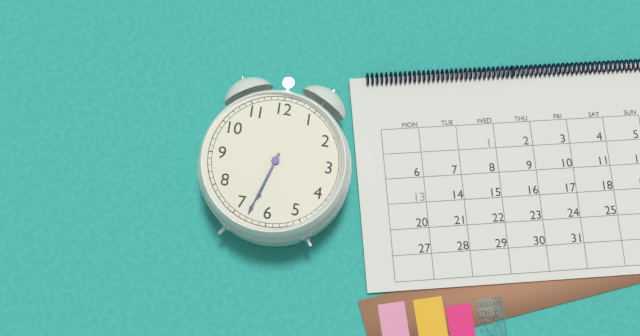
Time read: 6:33
